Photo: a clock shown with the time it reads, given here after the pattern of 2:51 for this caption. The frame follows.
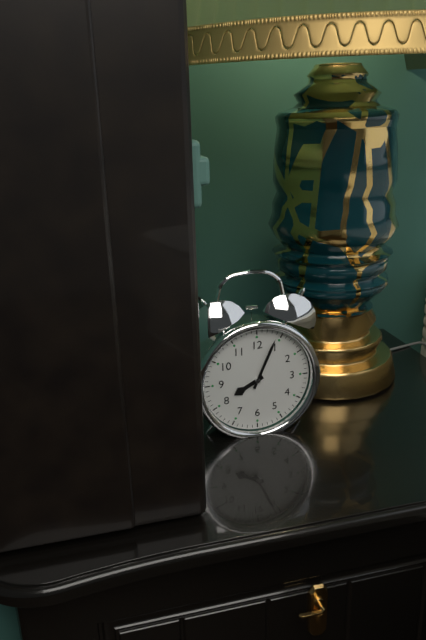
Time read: 8:04
